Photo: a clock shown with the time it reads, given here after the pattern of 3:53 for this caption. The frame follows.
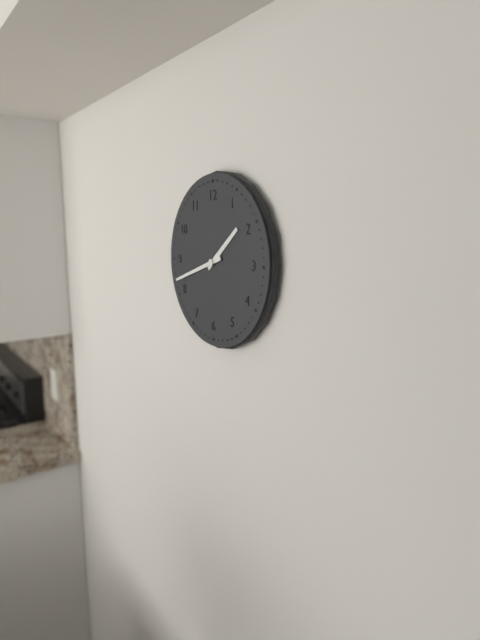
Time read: 1:42
